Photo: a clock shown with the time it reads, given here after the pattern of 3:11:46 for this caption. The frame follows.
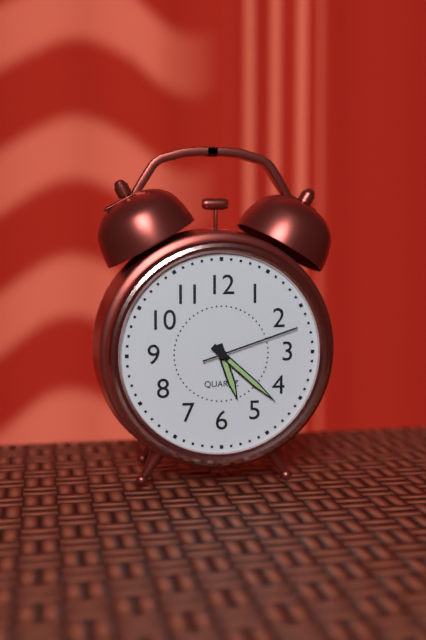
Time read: 5:22:12
